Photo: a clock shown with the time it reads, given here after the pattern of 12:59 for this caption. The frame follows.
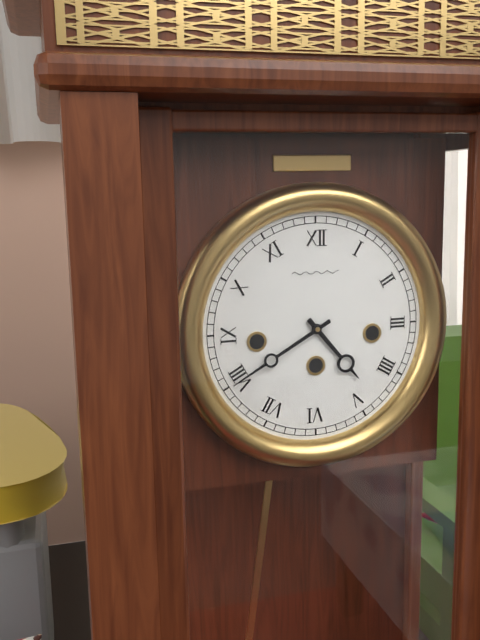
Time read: 4:40
